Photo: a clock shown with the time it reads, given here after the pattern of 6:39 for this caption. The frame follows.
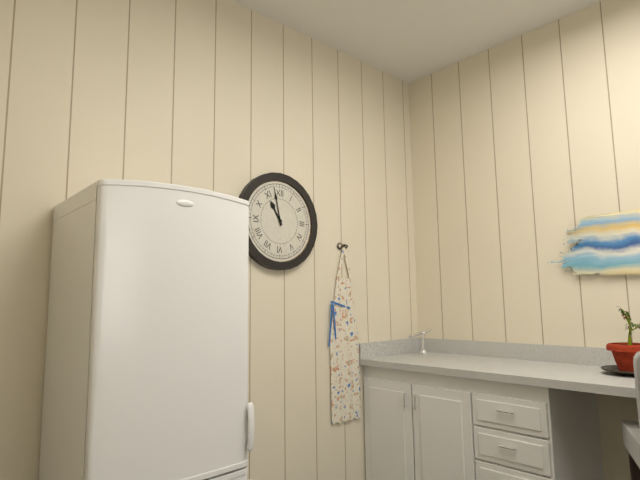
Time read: 10:58
